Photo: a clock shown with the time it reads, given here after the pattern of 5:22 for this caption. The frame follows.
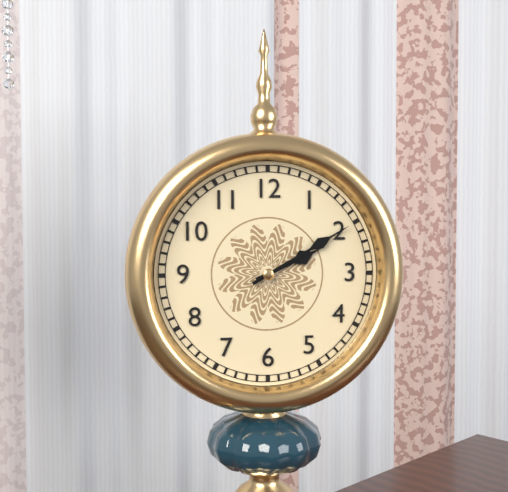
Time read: 2:10
